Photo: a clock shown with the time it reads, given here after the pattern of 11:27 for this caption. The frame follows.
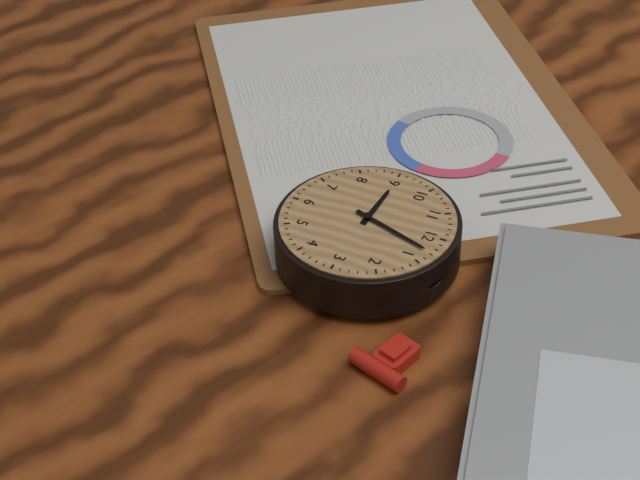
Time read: 9:03
